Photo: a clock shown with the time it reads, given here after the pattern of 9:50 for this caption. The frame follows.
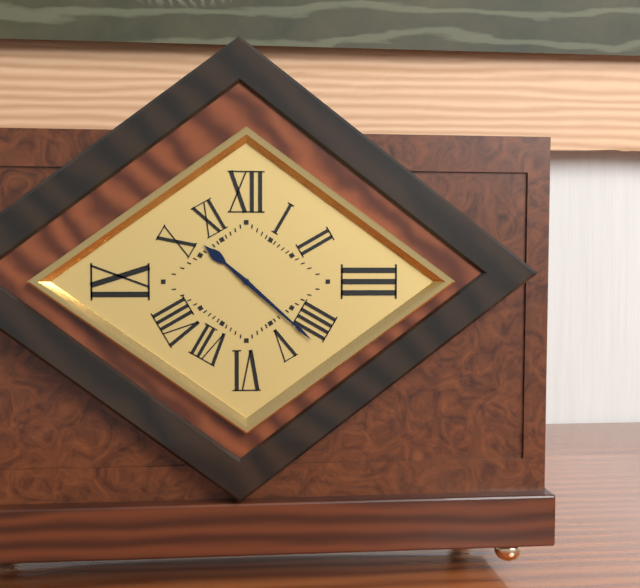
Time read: 10:22
